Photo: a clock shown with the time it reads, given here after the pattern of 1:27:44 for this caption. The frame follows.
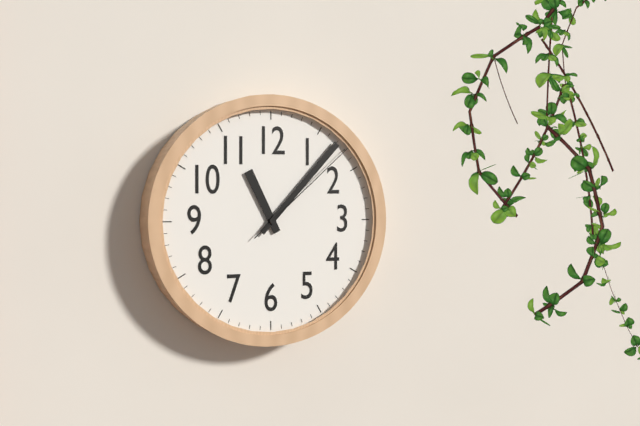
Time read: 11:07:08
